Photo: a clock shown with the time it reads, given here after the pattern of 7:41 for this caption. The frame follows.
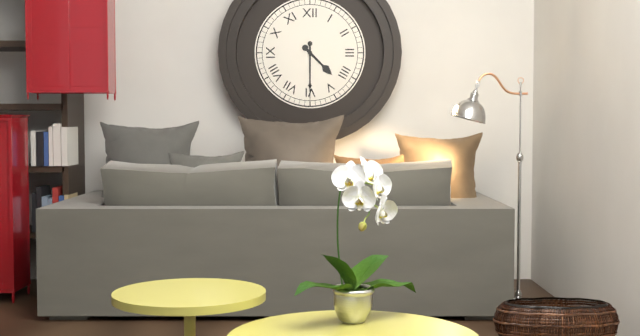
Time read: 4:30
